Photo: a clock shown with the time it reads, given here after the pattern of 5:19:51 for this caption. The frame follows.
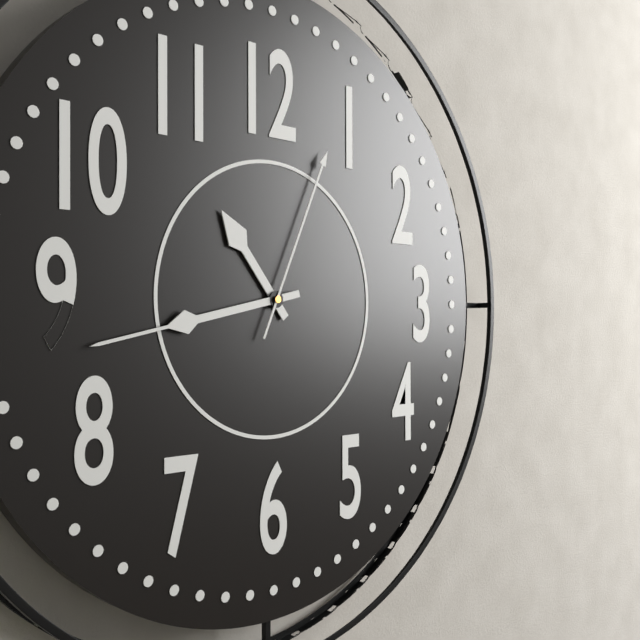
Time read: 10:43:04
